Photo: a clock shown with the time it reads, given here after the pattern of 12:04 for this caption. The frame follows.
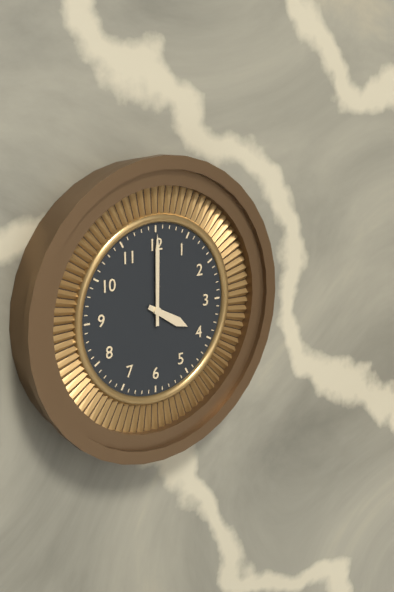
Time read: 4:00
